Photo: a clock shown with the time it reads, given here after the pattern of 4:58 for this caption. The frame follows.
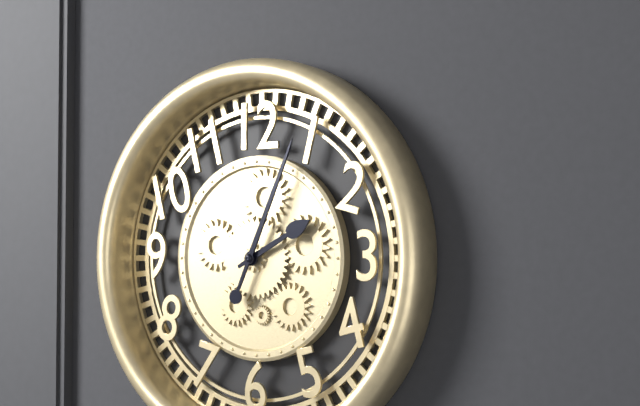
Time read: 2:04
